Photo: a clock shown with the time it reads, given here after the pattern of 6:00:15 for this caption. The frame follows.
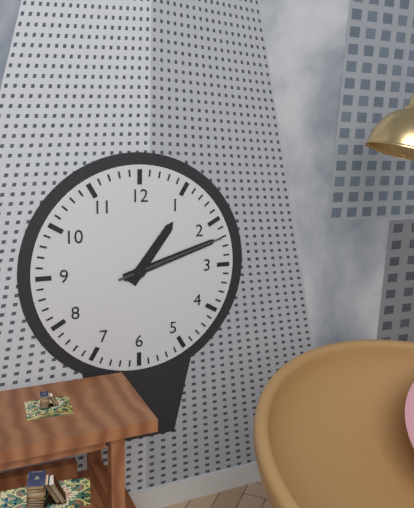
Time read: 1:12:12
